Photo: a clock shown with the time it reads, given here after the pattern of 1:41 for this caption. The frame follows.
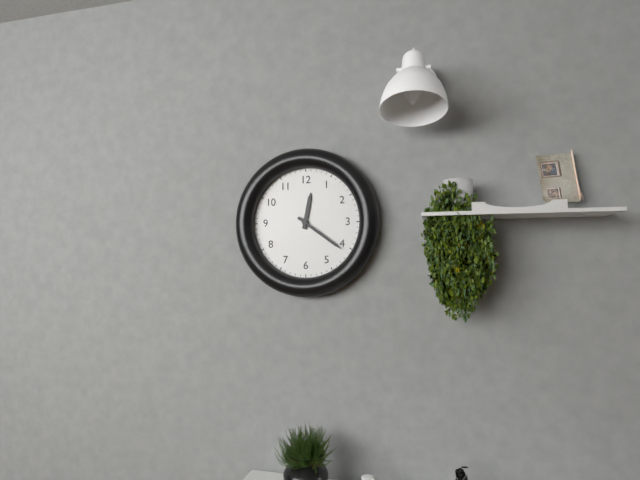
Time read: 12:21
